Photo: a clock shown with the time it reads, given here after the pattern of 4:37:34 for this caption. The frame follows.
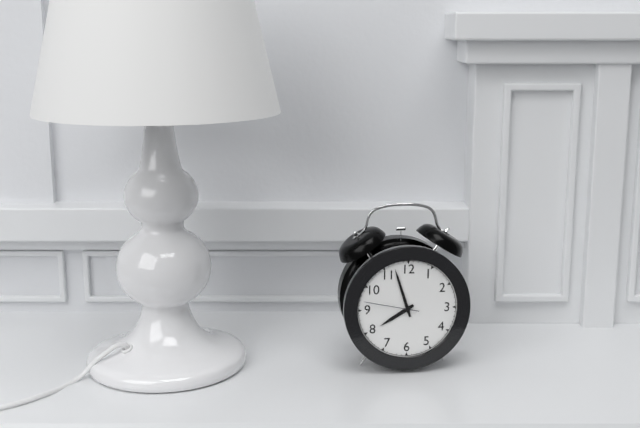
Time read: 7:57:47
